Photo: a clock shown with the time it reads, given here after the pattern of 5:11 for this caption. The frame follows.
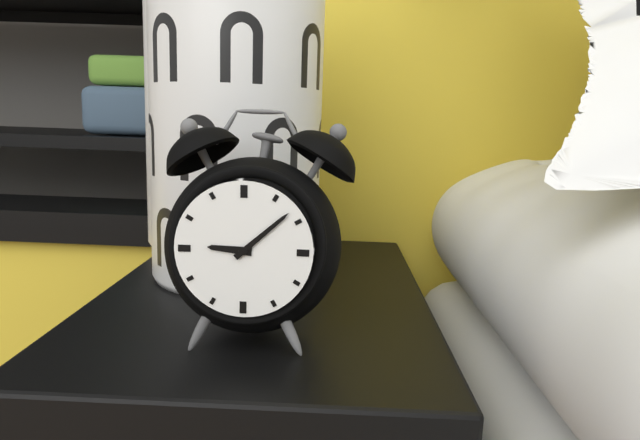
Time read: 9:08
